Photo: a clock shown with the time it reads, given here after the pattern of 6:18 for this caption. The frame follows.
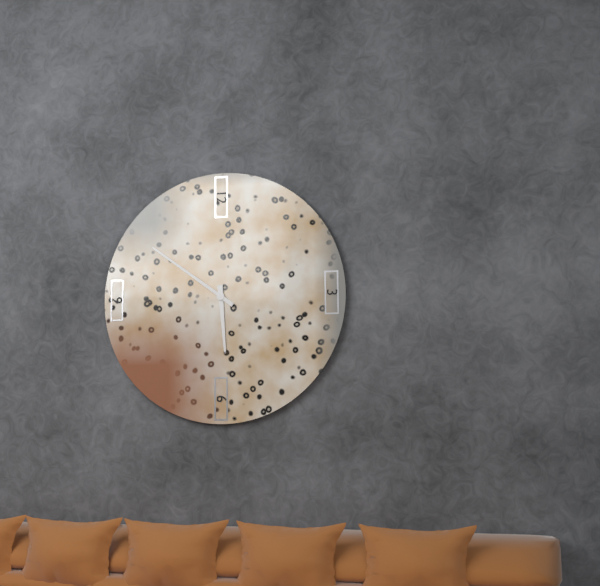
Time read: 5:51
